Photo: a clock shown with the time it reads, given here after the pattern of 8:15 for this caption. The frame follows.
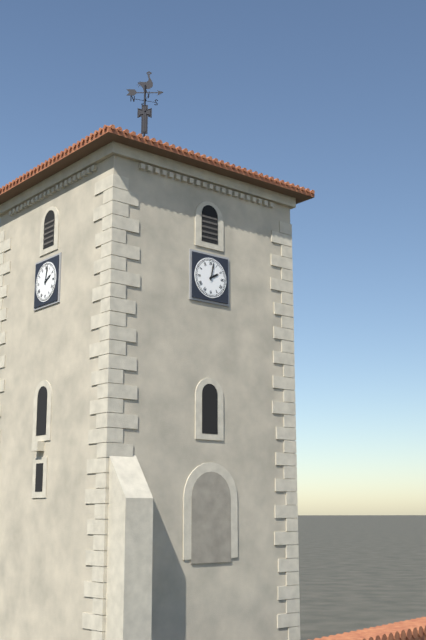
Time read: 2:02
